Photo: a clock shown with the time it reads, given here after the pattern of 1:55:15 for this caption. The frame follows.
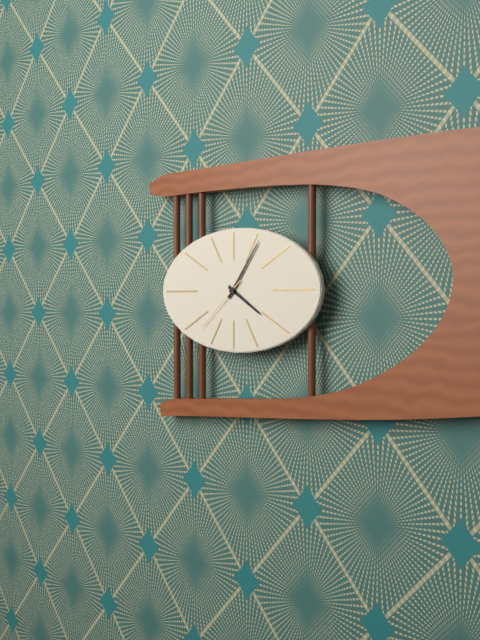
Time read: 4:06:38
